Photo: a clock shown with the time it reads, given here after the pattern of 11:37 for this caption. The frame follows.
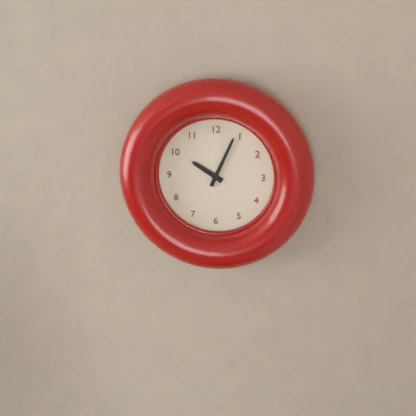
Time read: 10:04
